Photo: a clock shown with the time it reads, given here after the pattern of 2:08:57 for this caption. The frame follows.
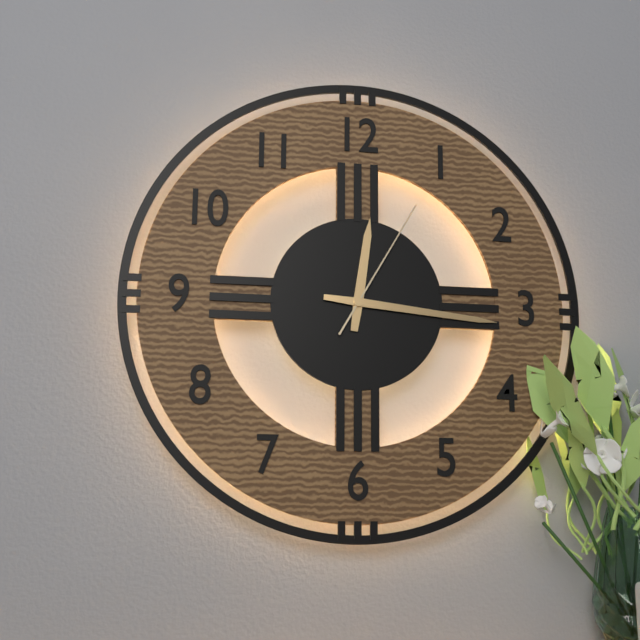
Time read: 12:16:05
